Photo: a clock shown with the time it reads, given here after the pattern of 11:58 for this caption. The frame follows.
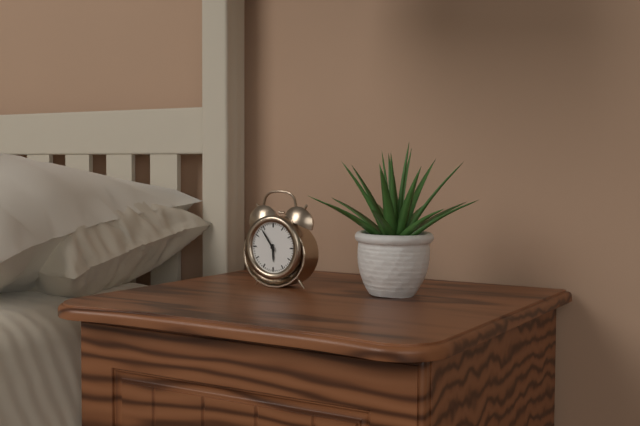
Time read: 5:54
